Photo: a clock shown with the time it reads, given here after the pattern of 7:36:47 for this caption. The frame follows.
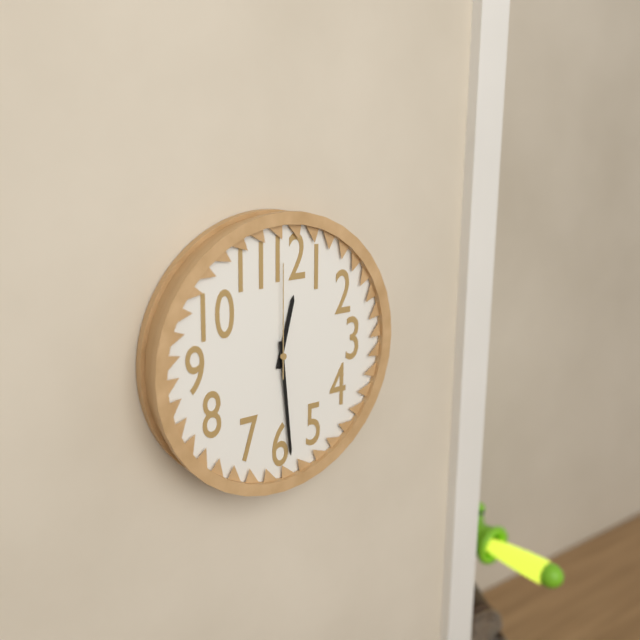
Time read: 12:29:00
